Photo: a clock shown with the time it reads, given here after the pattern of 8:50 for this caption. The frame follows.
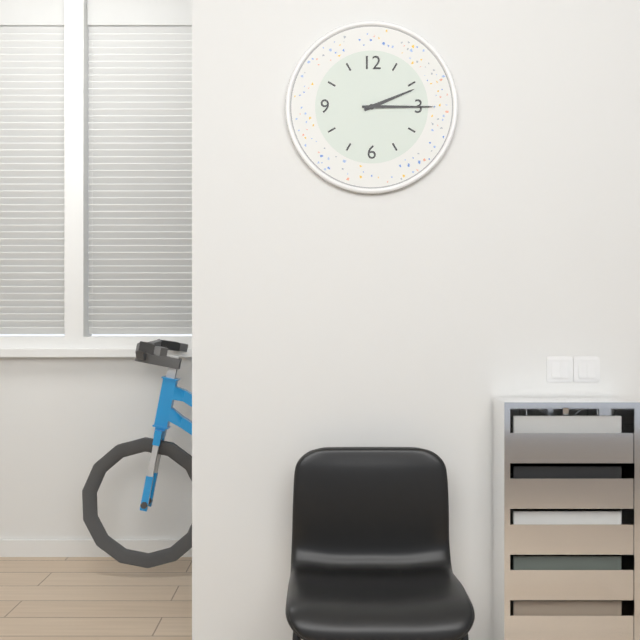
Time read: 2:15
